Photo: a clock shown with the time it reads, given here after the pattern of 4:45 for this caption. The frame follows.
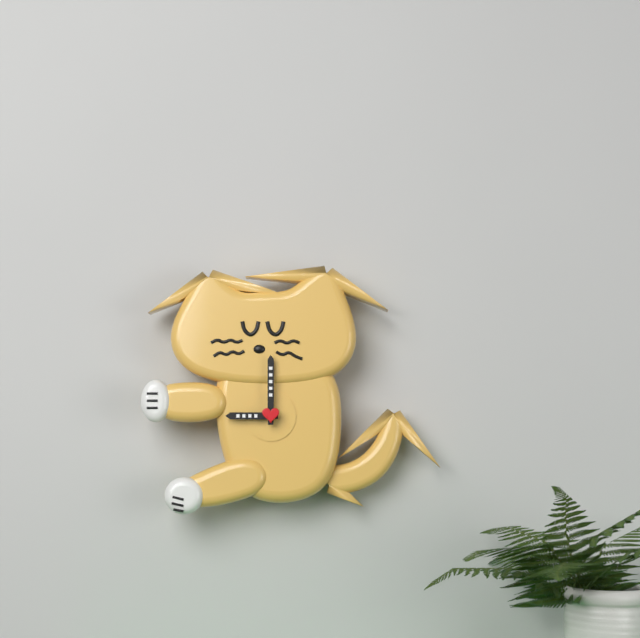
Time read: 9:00
